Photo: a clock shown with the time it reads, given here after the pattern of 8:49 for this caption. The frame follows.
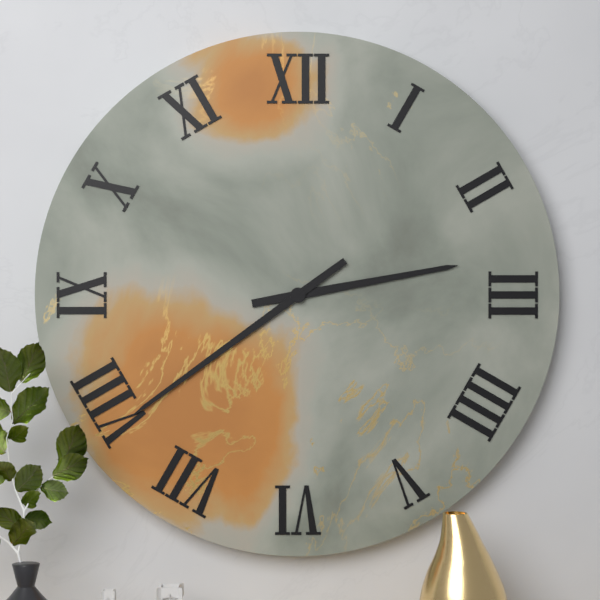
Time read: 2:39
